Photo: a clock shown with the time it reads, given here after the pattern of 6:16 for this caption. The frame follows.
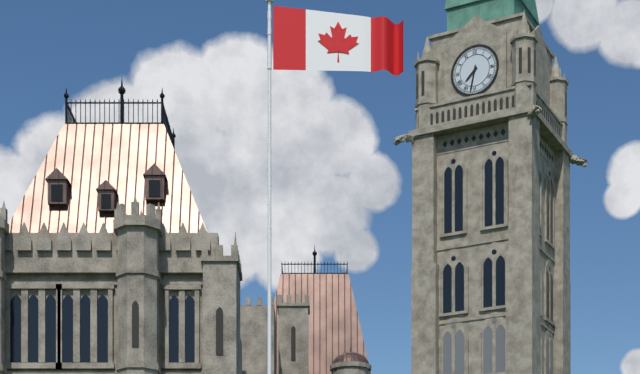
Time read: 7:32
